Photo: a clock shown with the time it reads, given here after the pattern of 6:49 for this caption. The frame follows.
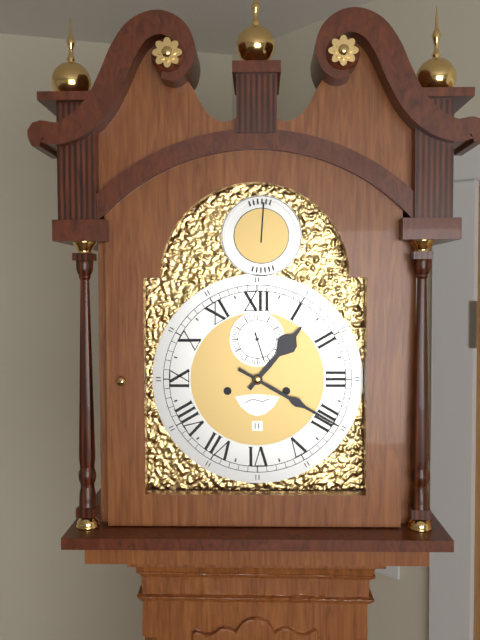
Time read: 1:20
